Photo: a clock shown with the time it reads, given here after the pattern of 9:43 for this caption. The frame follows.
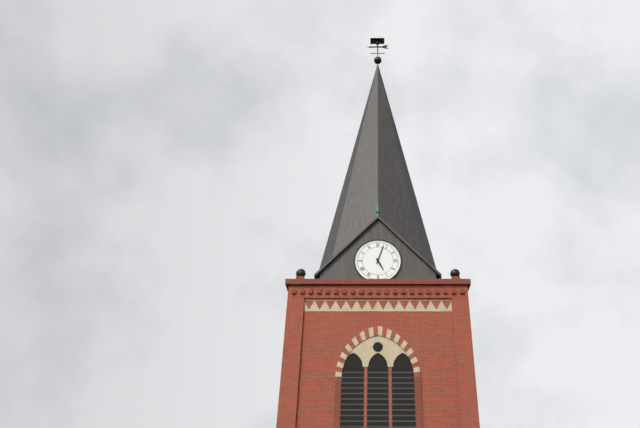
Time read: 5:03
